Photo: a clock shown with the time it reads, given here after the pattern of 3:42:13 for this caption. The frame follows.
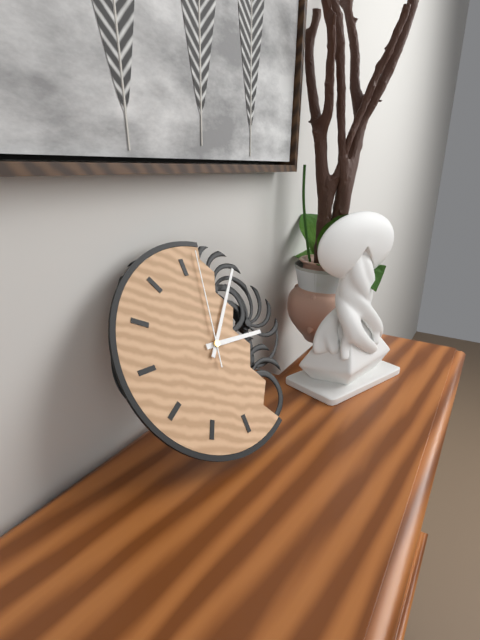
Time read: 3:07:02
